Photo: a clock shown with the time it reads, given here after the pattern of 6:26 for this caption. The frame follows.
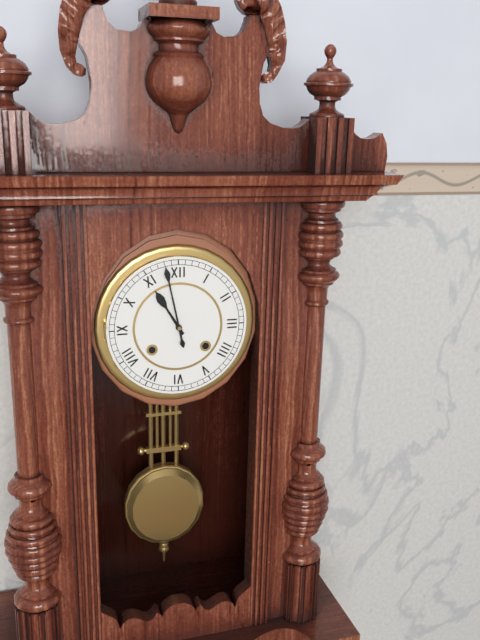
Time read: 10:58
